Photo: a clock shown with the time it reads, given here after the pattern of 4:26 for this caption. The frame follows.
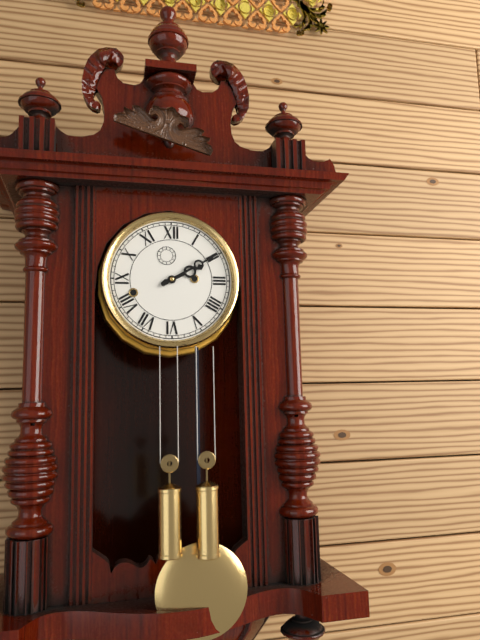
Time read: 2:10
